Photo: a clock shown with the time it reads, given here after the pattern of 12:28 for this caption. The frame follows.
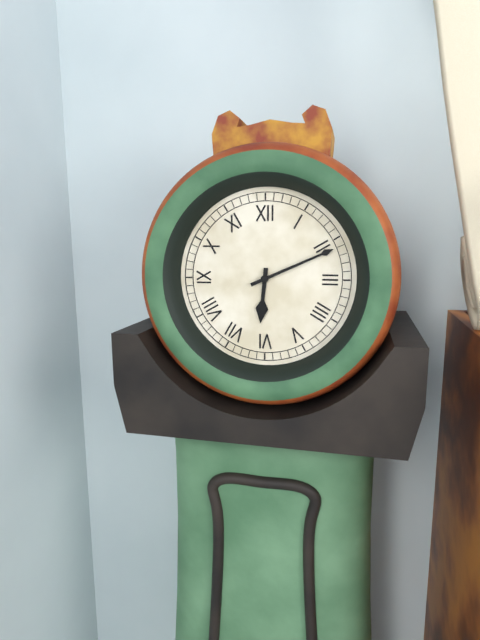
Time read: 6:11
